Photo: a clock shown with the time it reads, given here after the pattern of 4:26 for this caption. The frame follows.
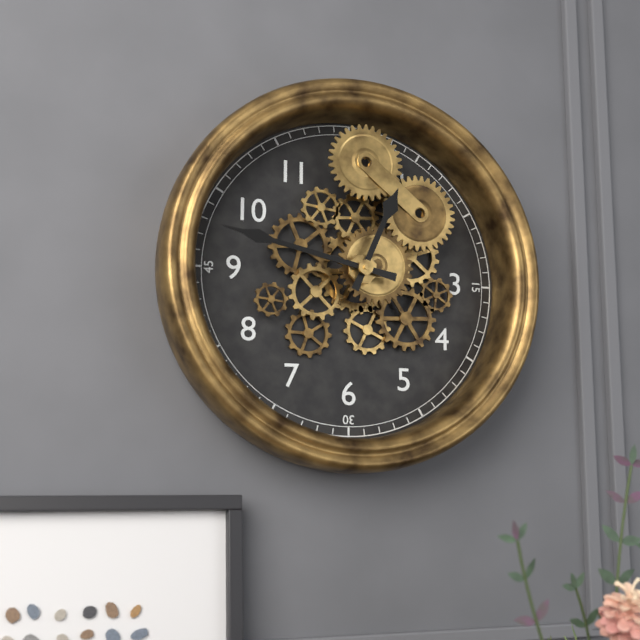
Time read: 12:47
